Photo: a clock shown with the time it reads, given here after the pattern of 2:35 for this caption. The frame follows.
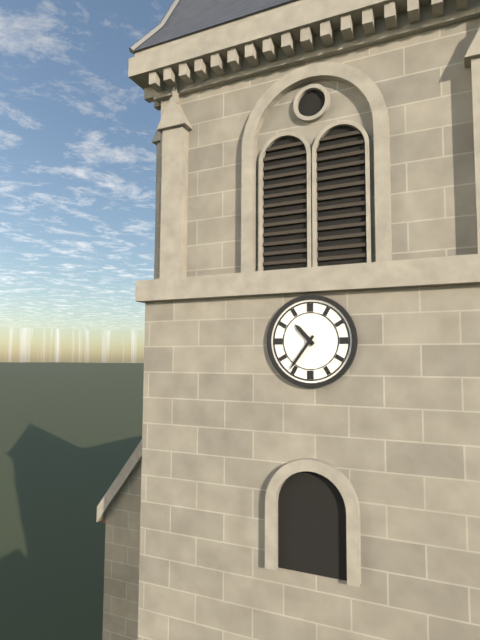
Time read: 10:36
